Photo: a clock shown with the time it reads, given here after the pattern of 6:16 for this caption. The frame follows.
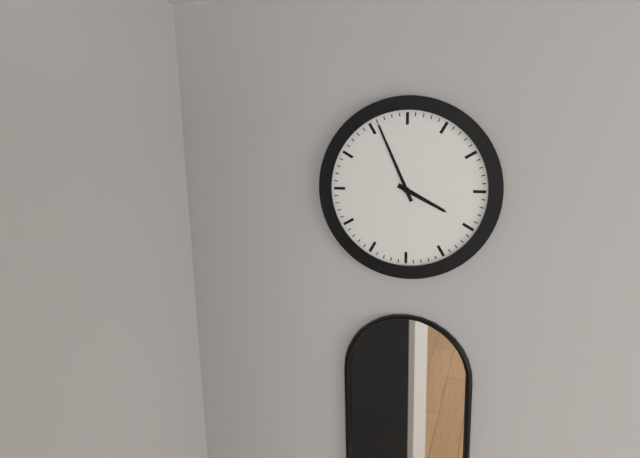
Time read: 3:56
